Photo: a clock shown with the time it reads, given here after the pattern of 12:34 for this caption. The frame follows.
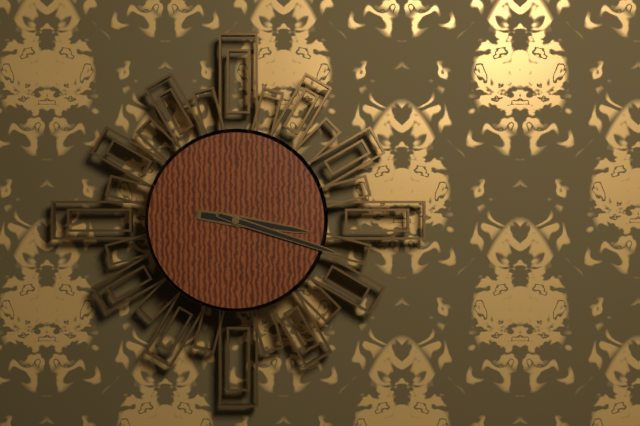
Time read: 3:18
